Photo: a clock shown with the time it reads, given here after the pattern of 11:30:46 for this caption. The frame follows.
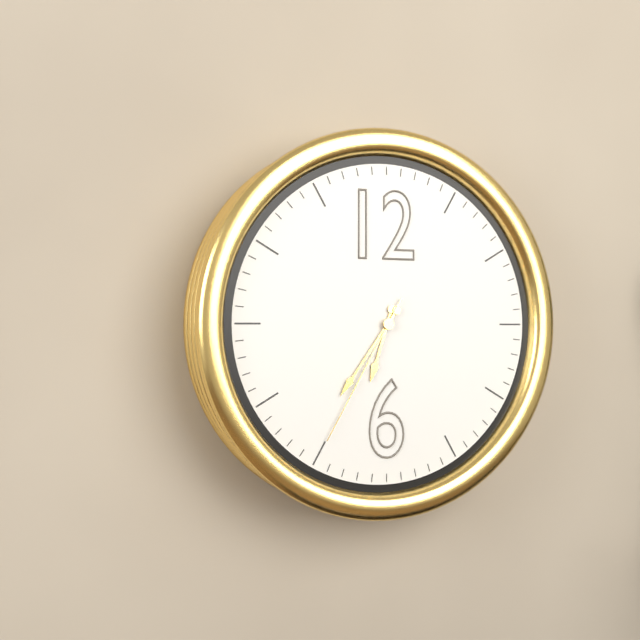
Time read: 6:36:35
